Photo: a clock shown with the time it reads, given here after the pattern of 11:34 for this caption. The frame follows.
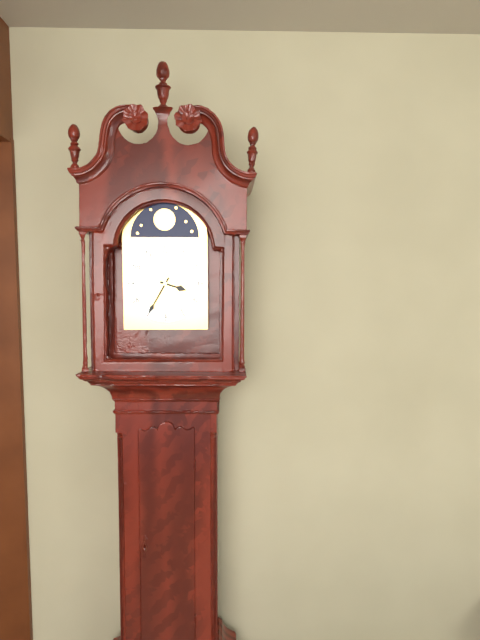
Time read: 3:35
